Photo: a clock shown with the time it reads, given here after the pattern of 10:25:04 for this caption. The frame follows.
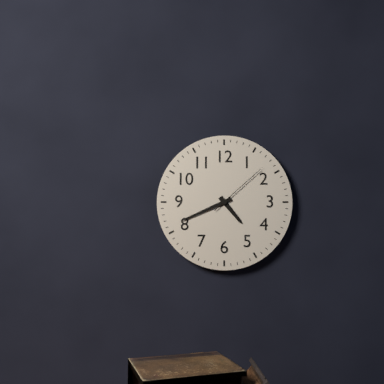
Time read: 4:41:08
